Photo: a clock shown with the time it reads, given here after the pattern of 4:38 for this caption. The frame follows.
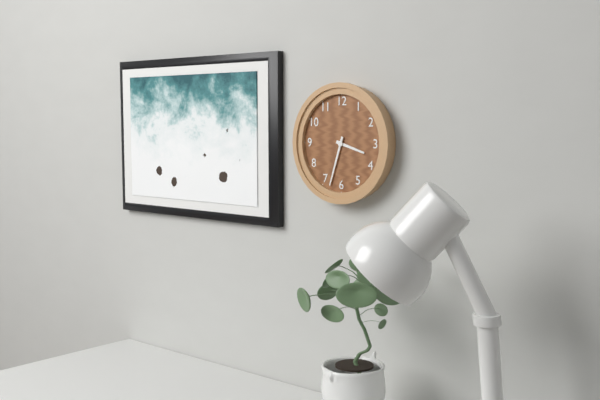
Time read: 3:33
